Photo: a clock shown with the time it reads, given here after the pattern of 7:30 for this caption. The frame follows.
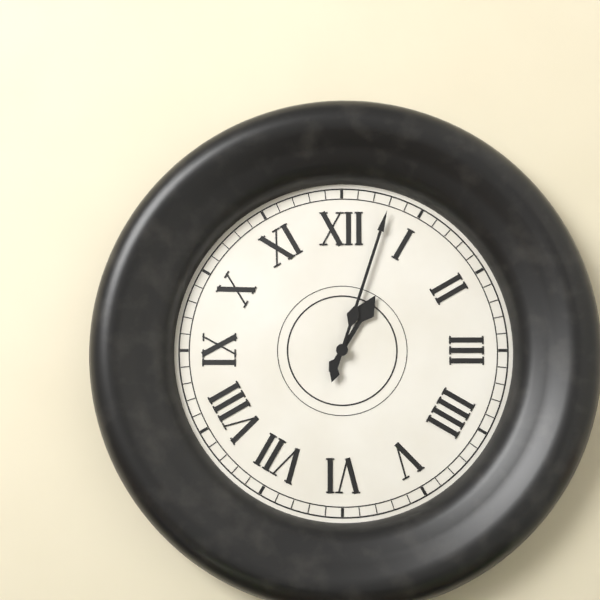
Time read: 1:03
